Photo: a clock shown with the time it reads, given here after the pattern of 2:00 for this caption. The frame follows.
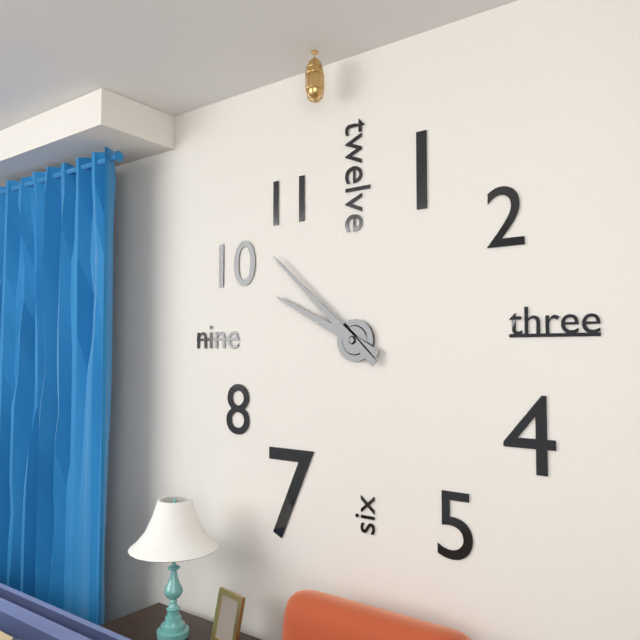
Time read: 9:52
